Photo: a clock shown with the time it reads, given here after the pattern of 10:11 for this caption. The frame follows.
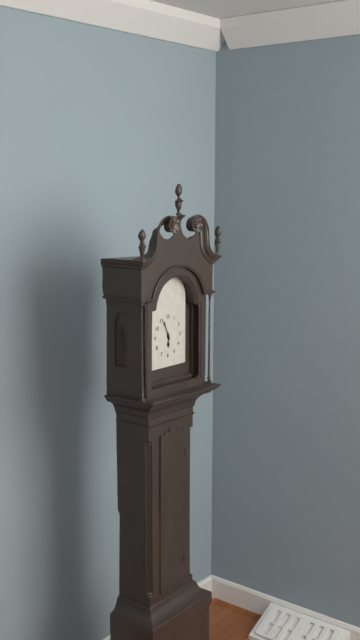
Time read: 5:56
